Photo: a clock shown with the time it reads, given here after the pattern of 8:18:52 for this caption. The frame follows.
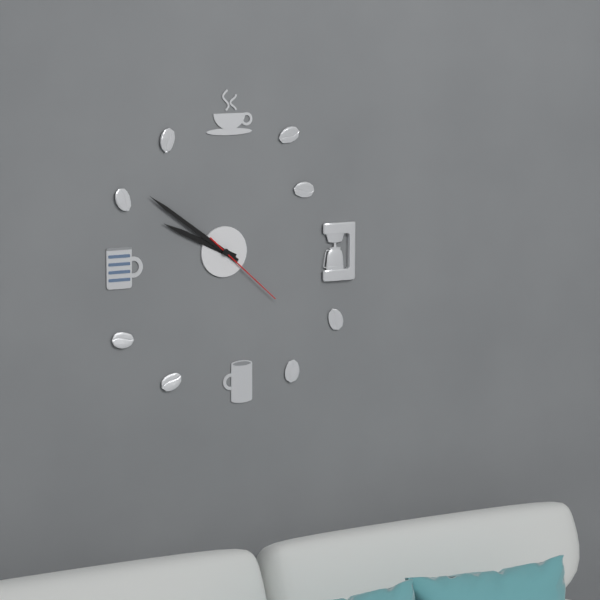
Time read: 9:51:22
